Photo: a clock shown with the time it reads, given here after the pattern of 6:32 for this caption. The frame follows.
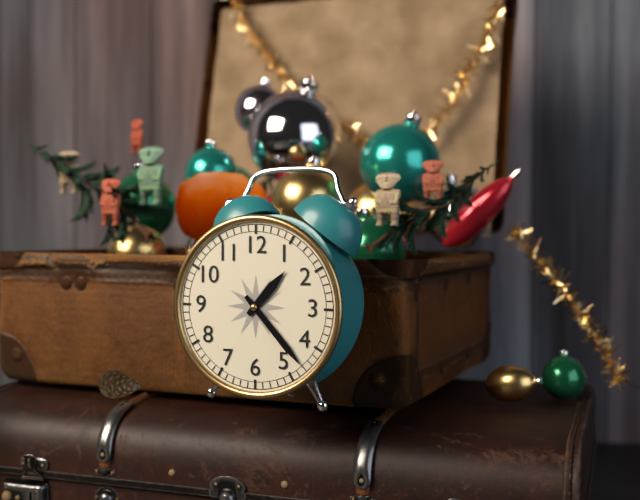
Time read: 1:23
